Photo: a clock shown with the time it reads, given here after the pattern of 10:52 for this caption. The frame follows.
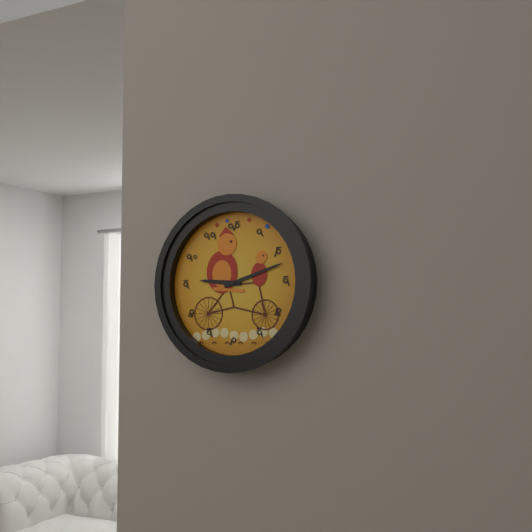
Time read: 9:12
